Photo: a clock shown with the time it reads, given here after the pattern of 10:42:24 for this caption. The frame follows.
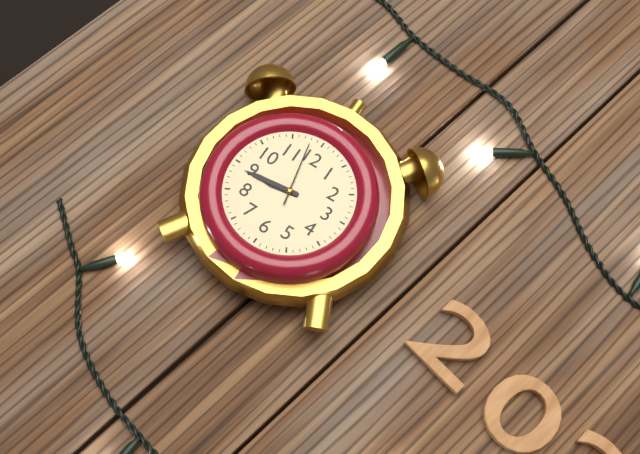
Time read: 8:44:58
